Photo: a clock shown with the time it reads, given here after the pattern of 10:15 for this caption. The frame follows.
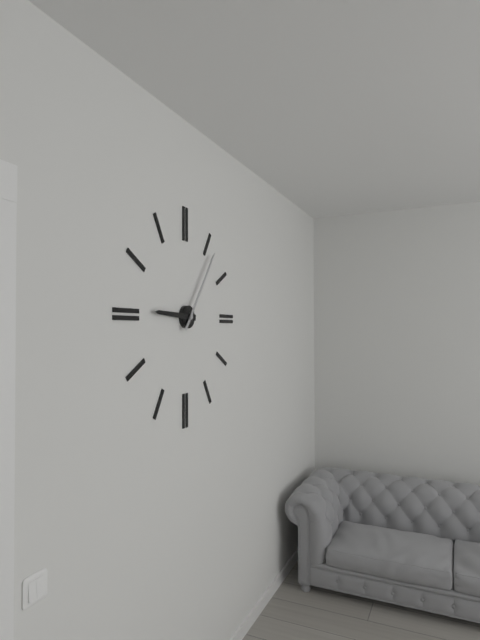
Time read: 9:06
